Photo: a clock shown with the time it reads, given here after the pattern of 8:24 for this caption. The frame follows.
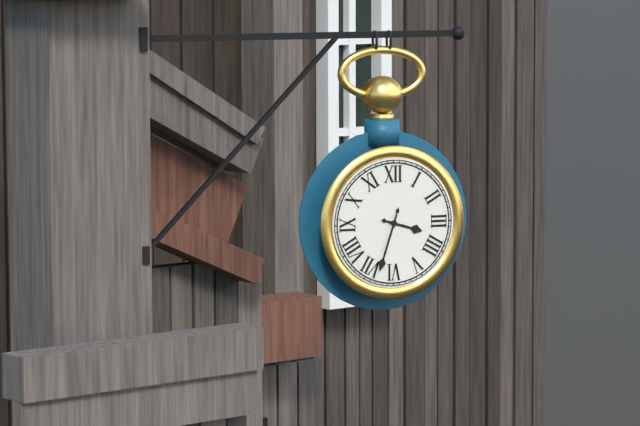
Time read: 3:33
